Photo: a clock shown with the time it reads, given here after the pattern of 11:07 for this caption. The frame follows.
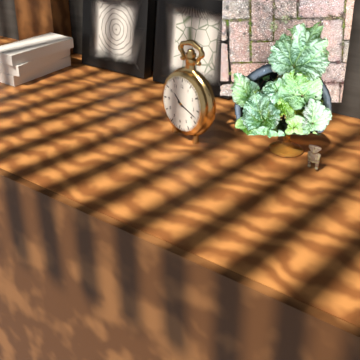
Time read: 10:18
